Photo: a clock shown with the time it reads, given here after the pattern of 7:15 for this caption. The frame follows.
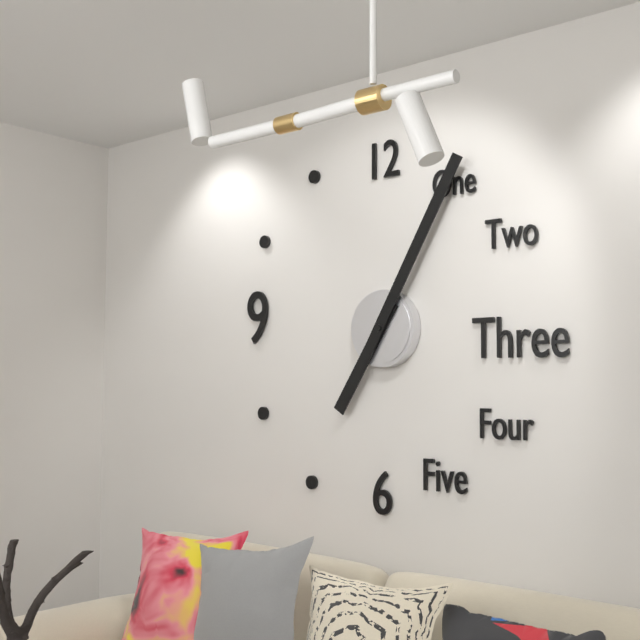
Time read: 7:05
